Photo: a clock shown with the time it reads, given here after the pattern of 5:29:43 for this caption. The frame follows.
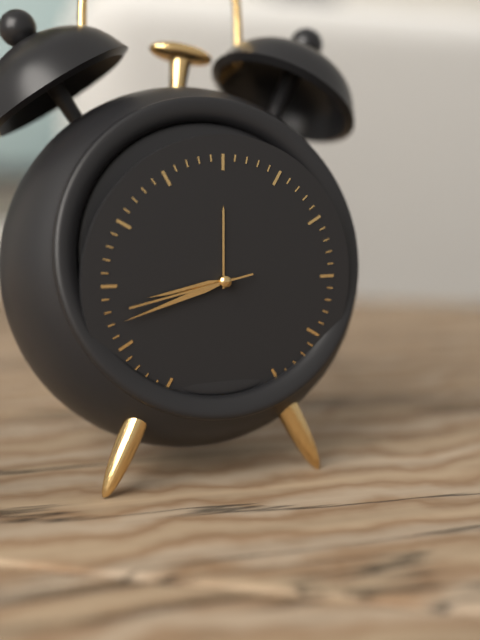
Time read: 8:42:43
